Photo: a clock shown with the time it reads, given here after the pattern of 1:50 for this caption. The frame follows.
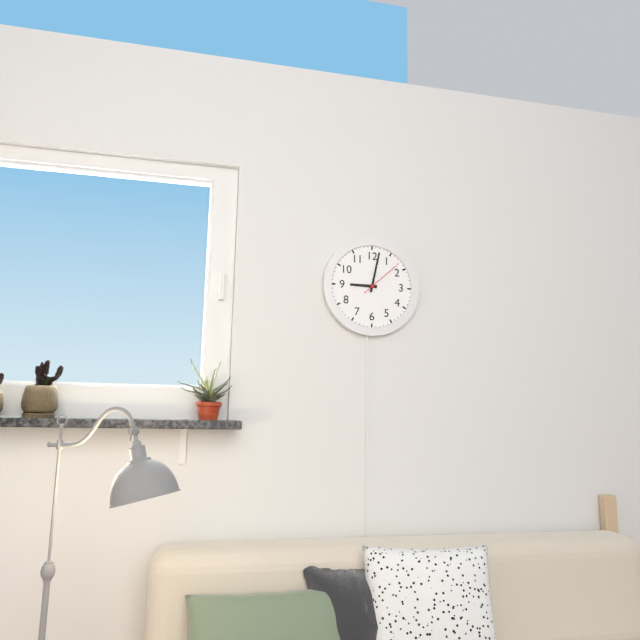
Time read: 9:02
